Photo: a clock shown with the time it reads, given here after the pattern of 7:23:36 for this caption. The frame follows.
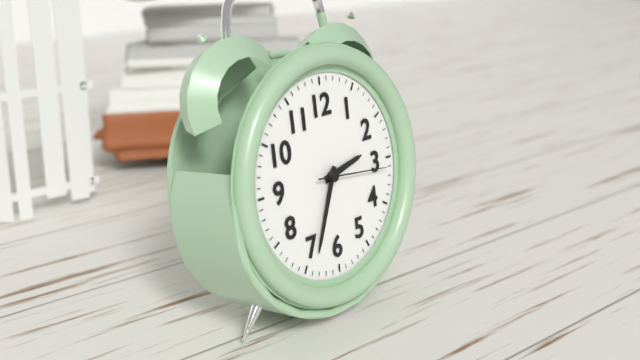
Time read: 2:34:16
